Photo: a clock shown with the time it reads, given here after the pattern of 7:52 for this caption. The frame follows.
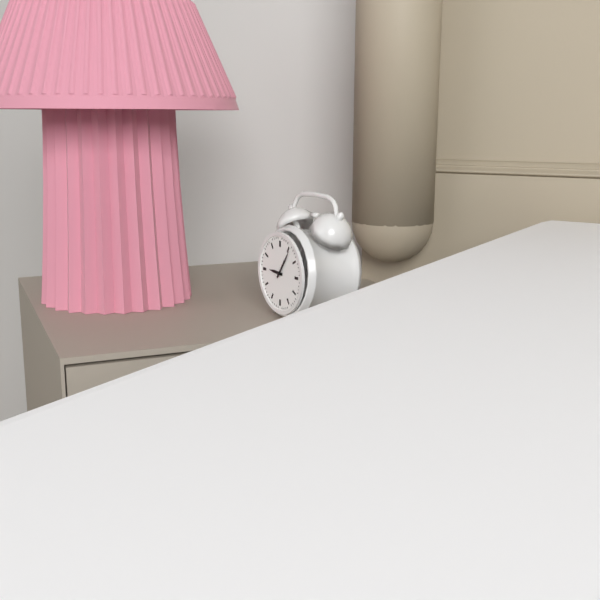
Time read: 9:06
